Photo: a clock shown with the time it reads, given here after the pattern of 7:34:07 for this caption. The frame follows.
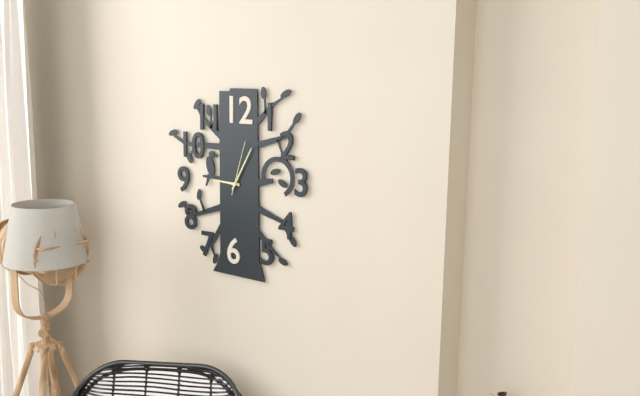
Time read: 9:05:03
